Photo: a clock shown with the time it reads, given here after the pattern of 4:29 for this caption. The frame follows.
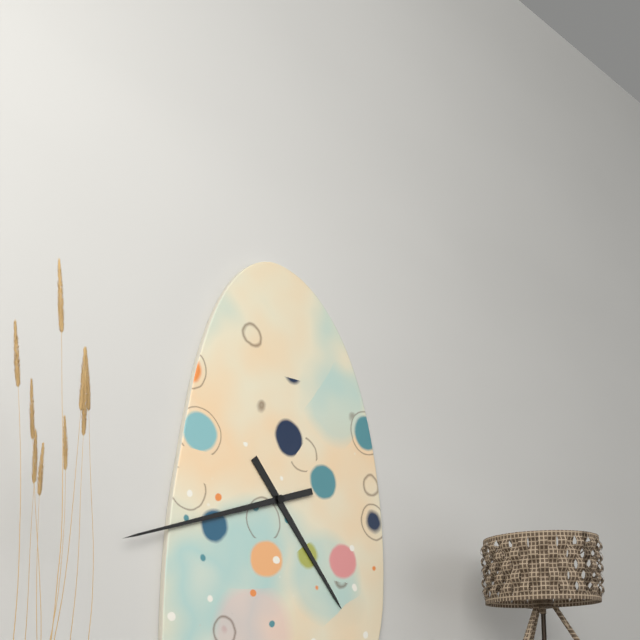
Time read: 4:42
